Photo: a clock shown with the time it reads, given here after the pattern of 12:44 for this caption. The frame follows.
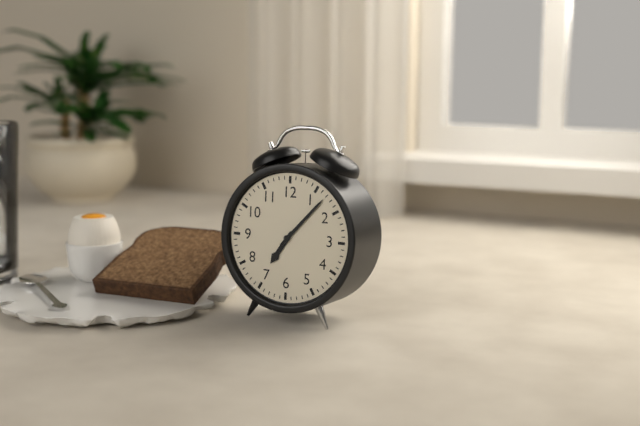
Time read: 7:07
